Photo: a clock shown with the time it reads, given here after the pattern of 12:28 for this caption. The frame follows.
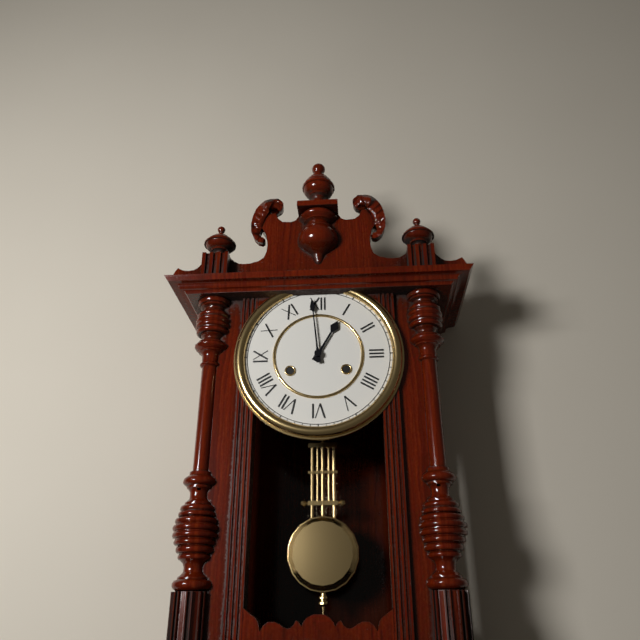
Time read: 12:59
